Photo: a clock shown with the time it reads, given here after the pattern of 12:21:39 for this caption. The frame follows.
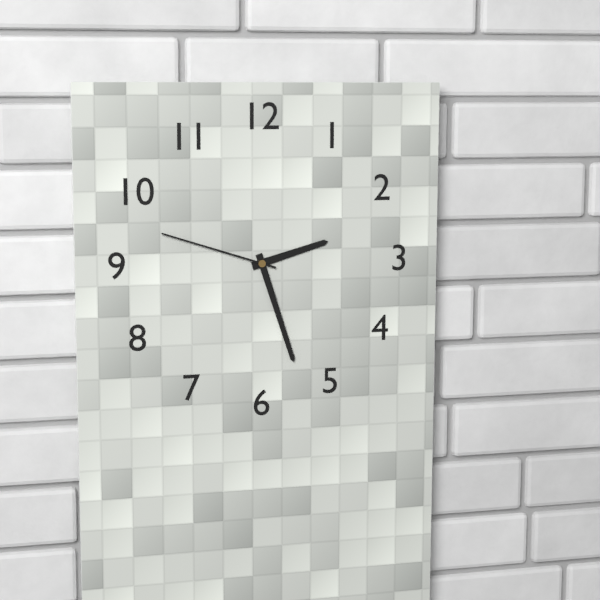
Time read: 2:27:48
